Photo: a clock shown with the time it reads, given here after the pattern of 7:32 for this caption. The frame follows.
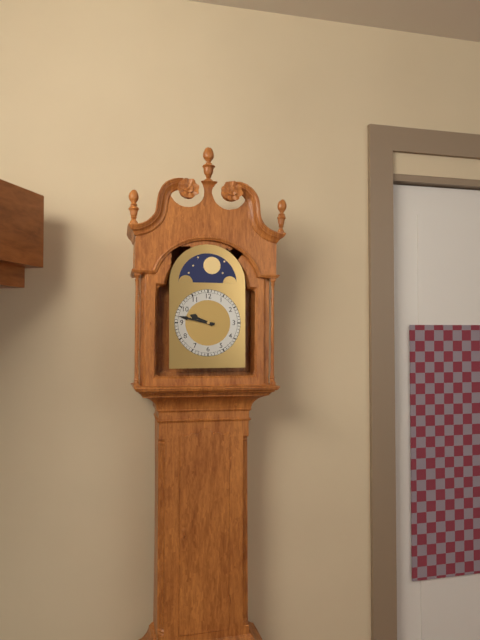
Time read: 9:47
